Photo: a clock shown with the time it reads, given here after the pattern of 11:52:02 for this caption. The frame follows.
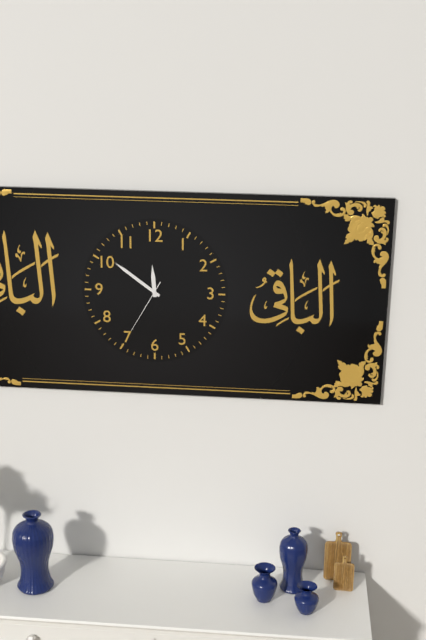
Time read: 11:51:35
